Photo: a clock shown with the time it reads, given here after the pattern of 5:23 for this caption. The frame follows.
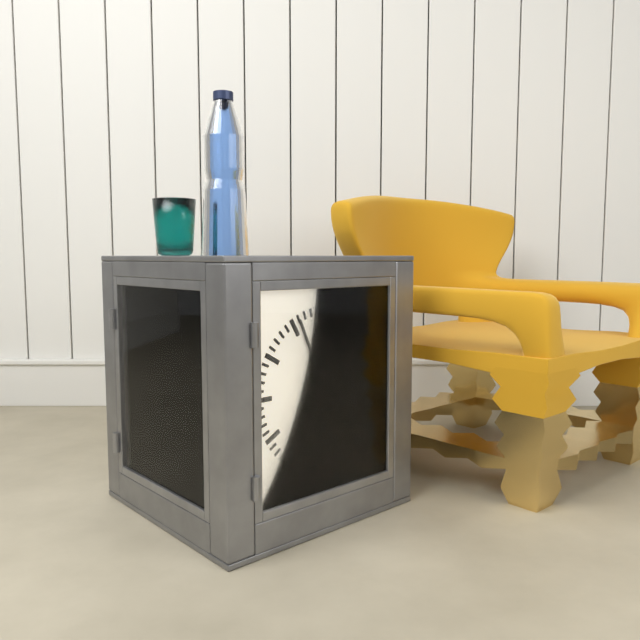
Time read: 6:56
